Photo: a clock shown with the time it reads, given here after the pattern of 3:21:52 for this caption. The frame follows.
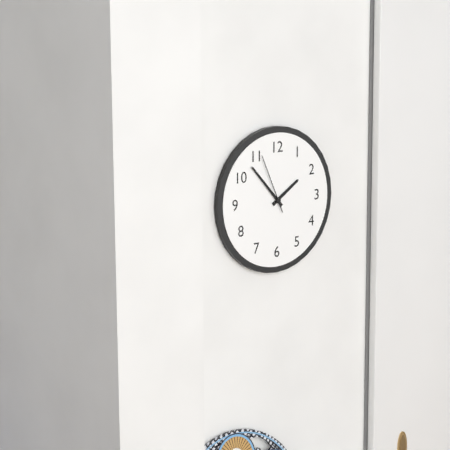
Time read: 1:53:56
